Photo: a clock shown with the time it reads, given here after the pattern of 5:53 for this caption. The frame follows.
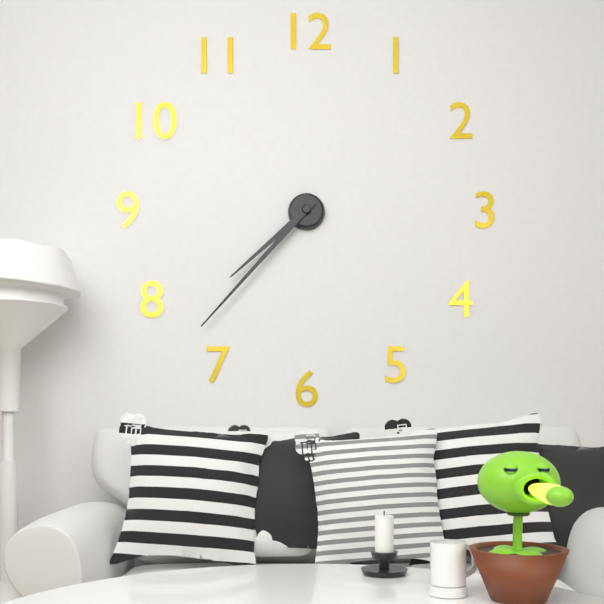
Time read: 7:37
